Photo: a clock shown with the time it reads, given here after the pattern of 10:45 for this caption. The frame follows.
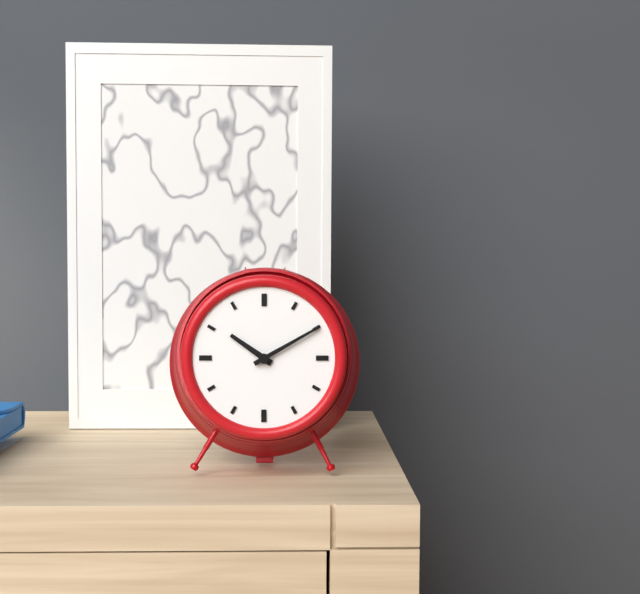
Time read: 10:10
